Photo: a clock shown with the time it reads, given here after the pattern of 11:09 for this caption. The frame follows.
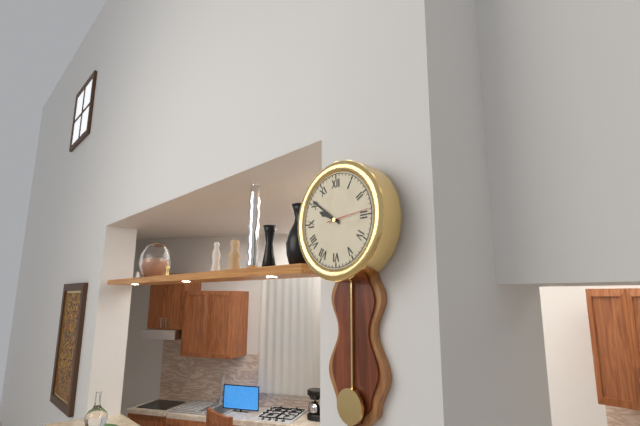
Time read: 9:51
